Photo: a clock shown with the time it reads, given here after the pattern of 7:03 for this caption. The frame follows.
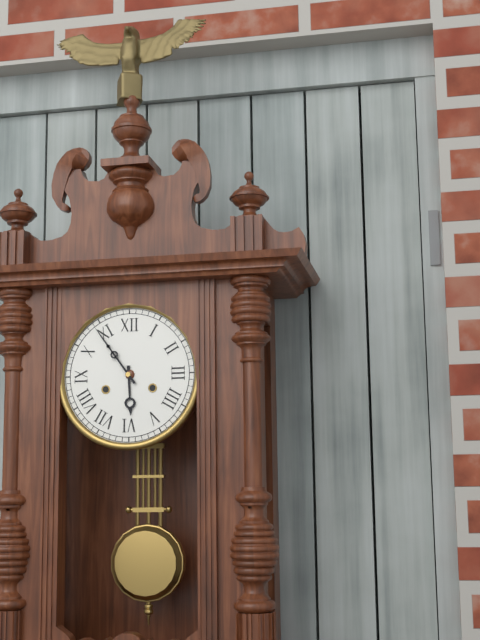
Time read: 5:54
